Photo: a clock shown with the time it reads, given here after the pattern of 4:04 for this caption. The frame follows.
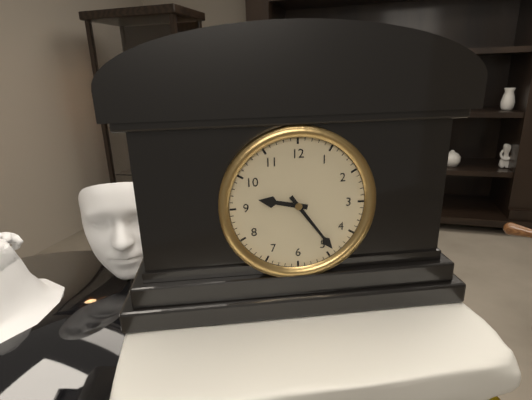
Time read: 9:24
